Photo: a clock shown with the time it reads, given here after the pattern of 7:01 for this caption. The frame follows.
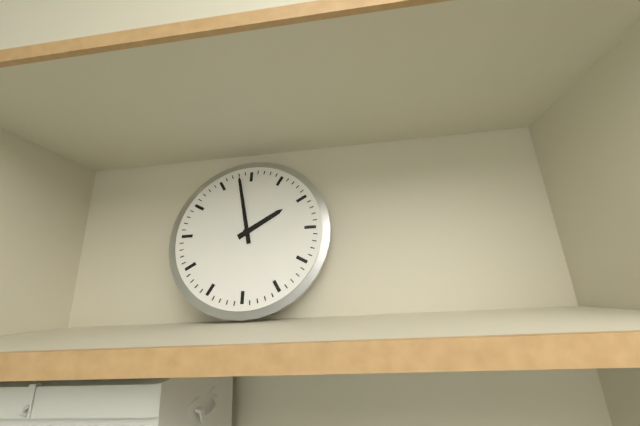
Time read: 1:58
